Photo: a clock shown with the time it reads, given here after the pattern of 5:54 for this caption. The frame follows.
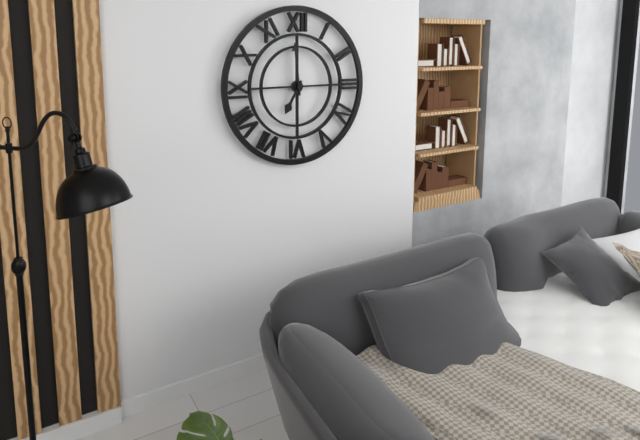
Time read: 6:59
